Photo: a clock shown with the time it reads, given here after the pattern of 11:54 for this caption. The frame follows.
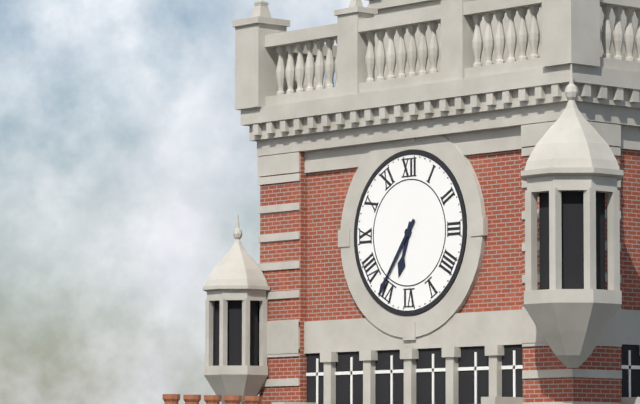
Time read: 6:36
